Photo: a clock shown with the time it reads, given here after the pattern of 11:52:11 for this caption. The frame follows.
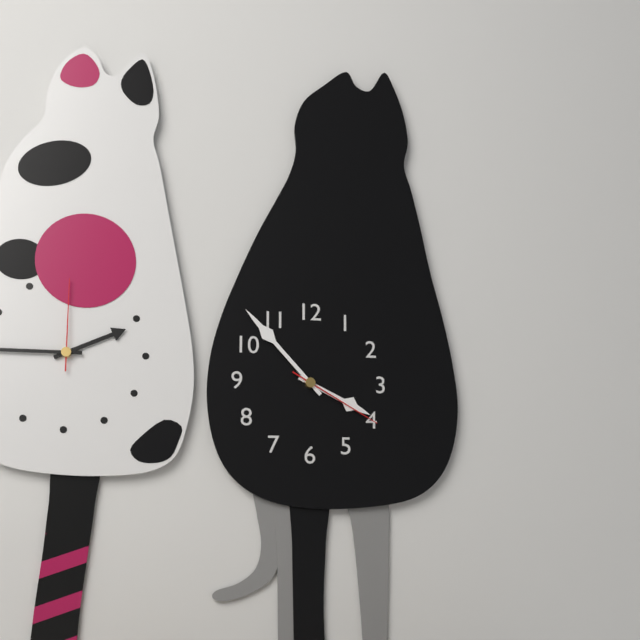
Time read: 3:53:20
